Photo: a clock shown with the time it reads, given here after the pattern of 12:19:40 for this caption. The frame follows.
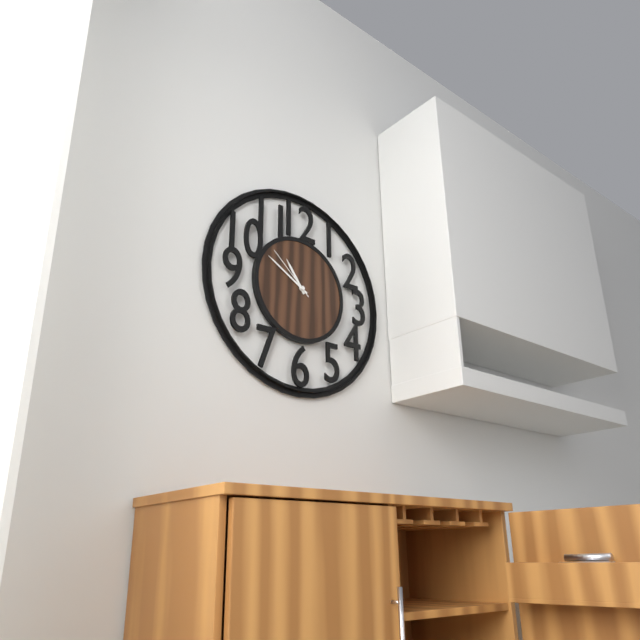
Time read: 10:50:52
